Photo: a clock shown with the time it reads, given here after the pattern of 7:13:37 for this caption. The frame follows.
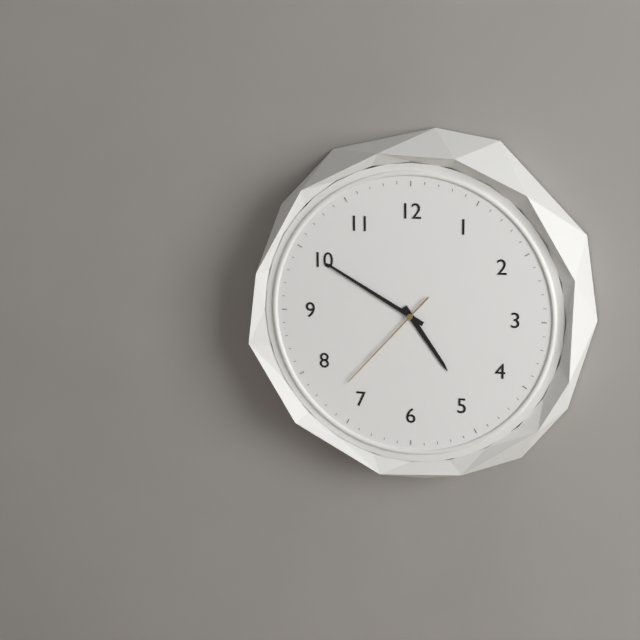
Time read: 4:50:37
